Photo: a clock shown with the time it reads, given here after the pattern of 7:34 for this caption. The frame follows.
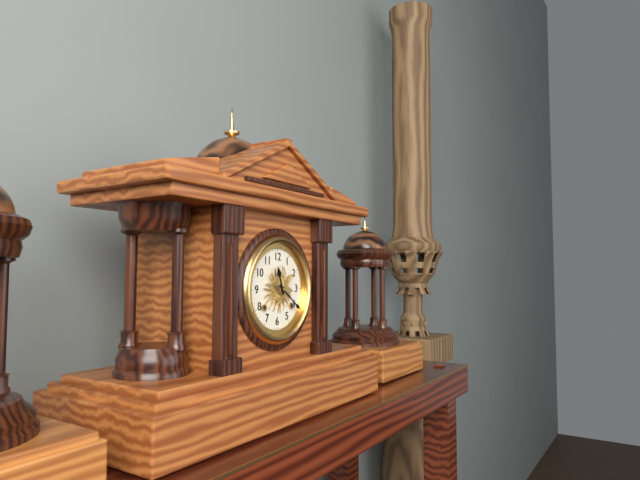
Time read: 11:21
